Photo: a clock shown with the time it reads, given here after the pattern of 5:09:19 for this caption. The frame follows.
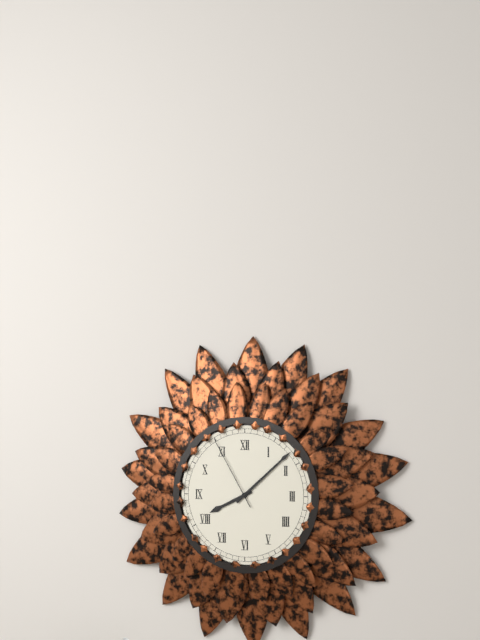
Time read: 8:08:55
